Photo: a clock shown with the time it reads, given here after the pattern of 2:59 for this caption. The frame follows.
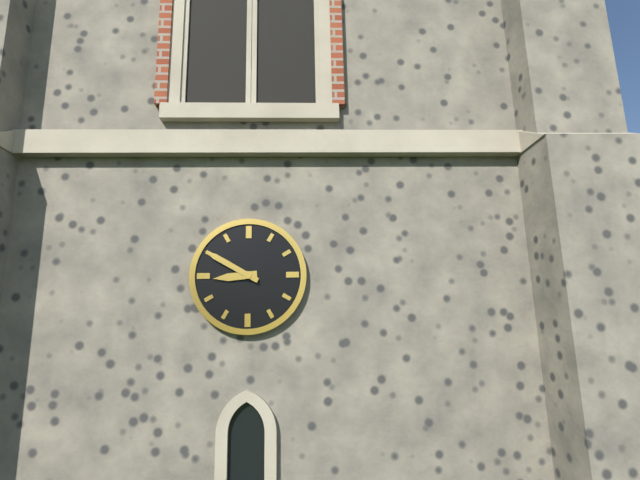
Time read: 8:50
